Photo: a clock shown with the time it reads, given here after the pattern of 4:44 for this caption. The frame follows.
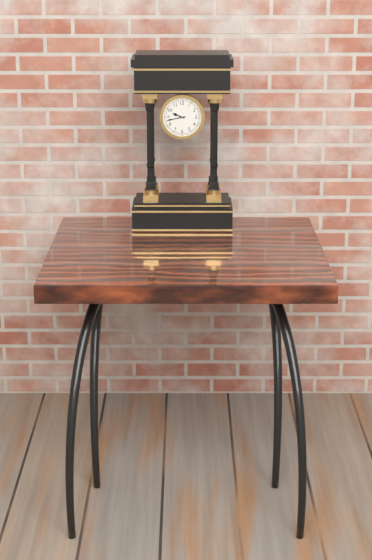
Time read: 9:43
